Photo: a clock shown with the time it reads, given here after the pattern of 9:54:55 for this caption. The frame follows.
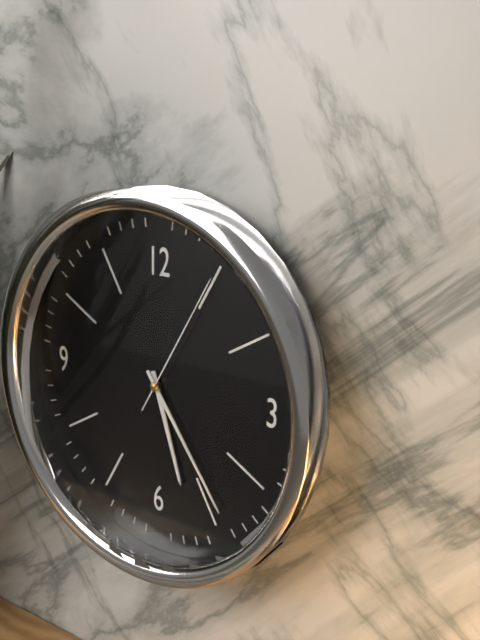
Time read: 5:24:05
